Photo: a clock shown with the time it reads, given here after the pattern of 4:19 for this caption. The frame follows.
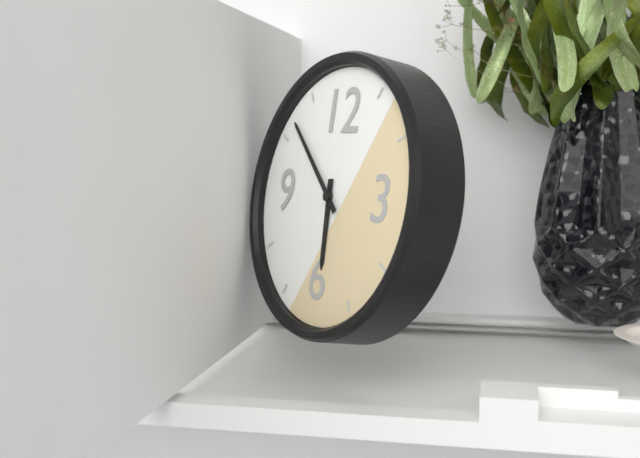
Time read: 5:52
